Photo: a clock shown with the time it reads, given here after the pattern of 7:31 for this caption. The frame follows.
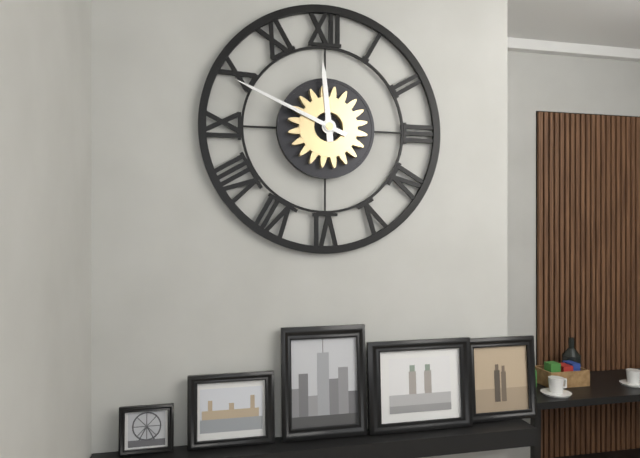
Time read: 11:49
